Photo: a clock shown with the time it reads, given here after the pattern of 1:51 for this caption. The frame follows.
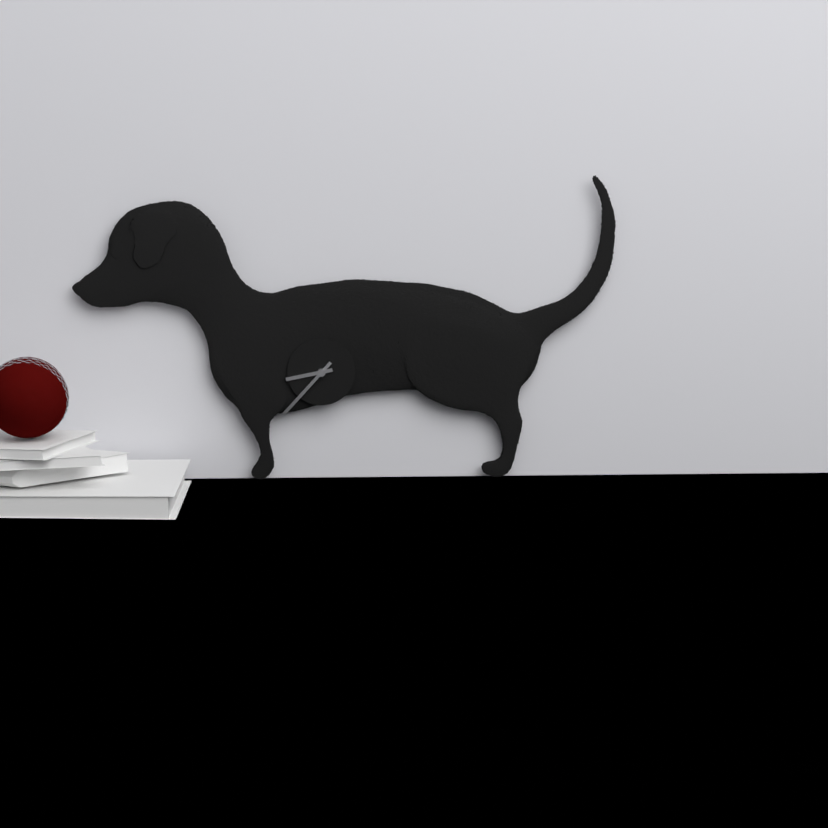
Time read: 8:37
